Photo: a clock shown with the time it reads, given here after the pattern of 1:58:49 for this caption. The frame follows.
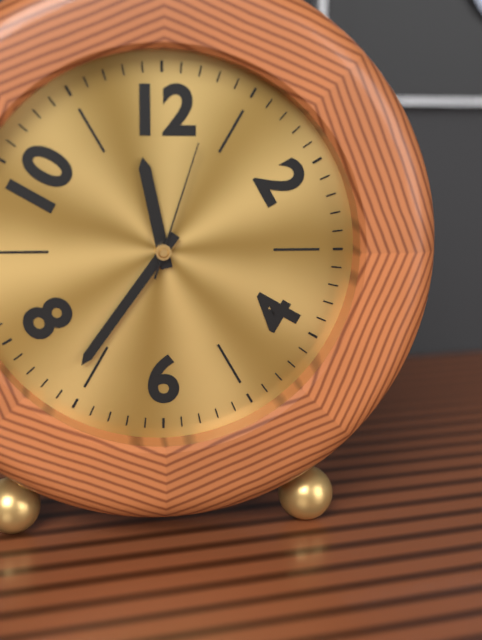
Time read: 11:36:03
